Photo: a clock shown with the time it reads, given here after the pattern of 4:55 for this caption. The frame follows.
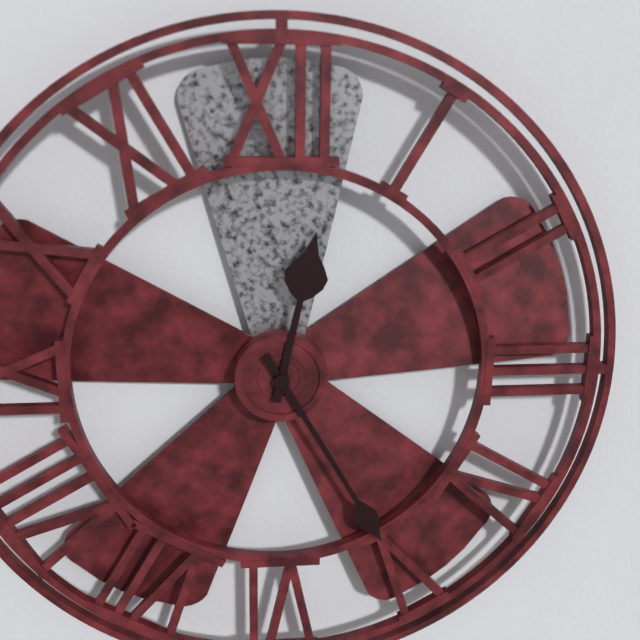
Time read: 12:25
